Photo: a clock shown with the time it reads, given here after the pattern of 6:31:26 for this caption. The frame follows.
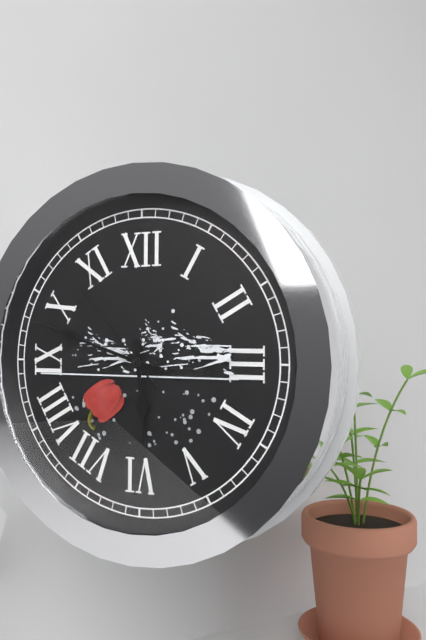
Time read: 5:48:53
